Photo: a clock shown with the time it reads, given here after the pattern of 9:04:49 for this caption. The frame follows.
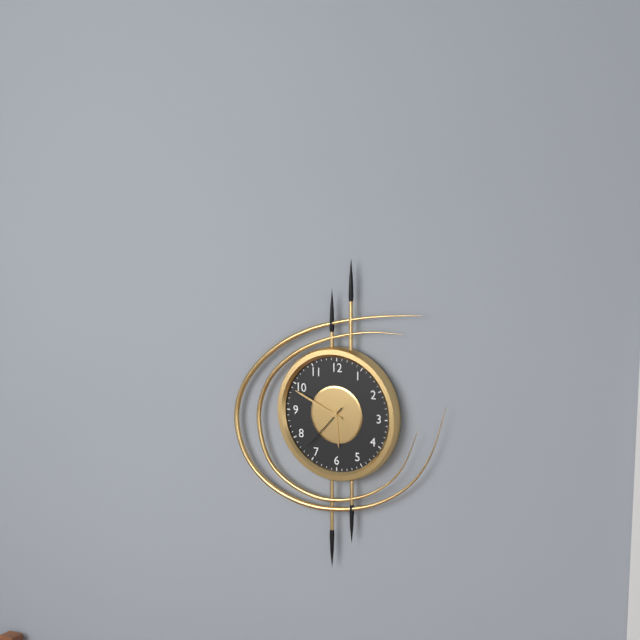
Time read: 5:49:37
